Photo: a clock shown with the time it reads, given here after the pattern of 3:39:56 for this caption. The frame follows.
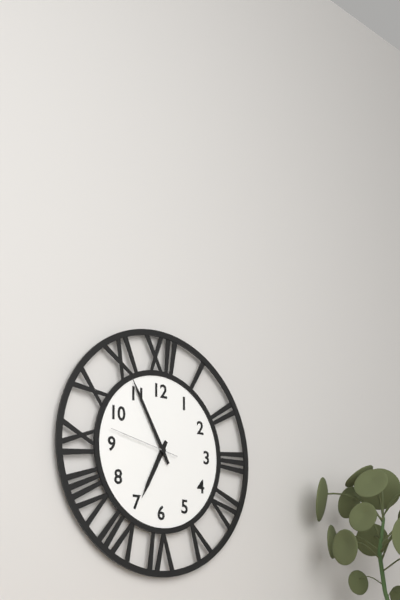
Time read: 6:55:47
